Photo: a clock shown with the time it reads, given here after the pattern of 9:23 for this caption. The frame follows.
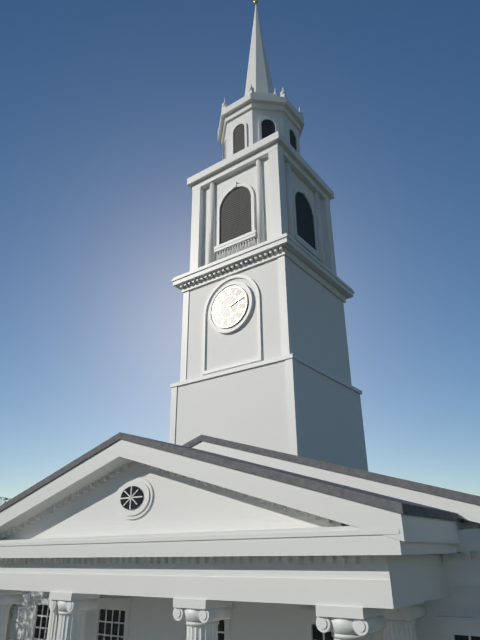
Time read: 5:12
